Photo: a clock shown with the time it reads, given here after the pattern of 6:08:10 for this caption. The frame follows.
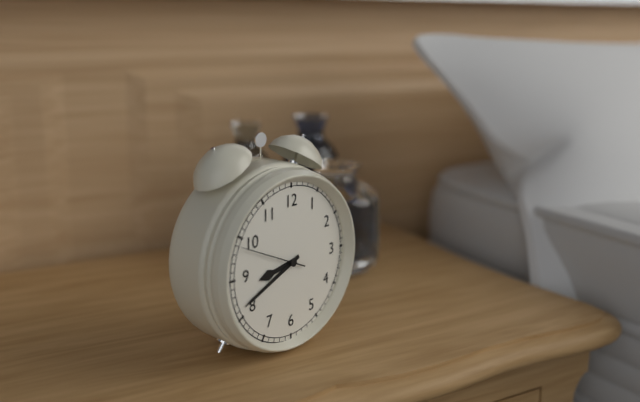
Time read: 8:41:49
